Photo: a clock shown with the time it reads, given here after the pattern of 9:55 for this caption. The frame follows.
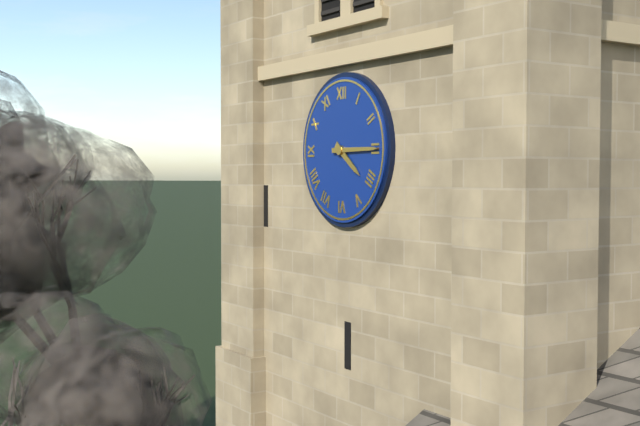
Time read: 4:15
